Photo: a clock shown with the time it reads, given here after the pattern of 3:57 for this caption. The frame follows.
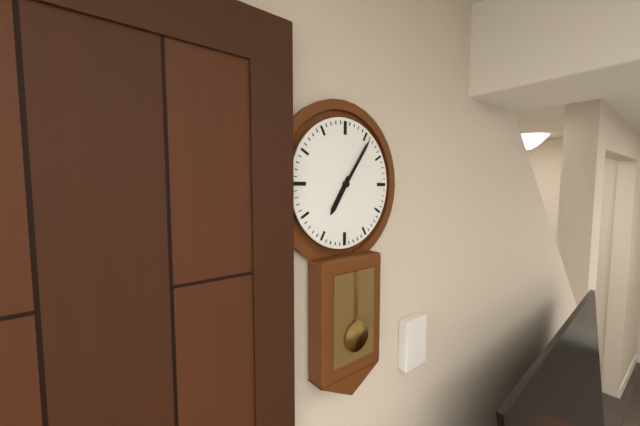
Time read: 7:06
